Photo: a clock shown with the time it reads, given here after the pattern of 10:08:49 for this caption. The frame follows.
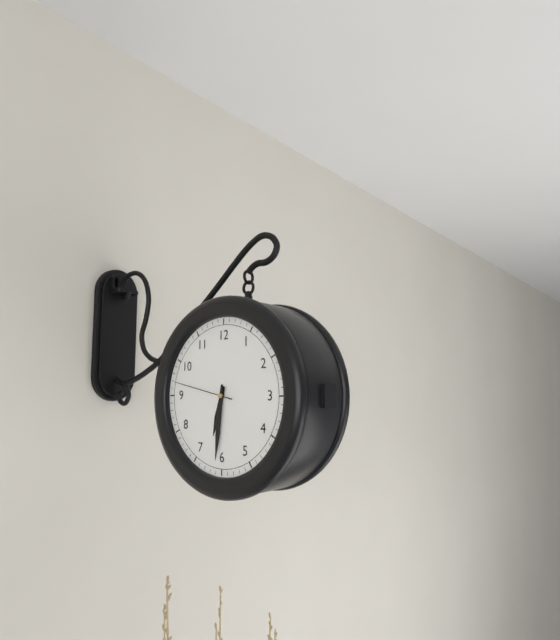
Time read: 6:31:47
